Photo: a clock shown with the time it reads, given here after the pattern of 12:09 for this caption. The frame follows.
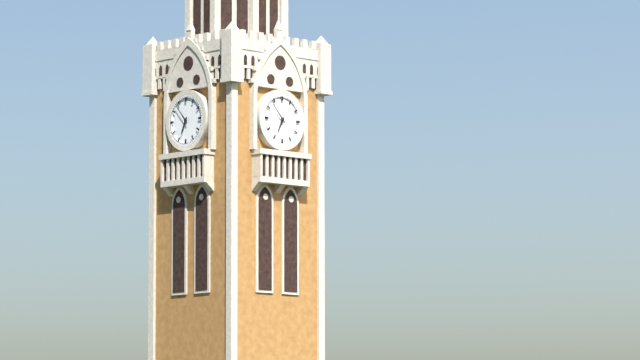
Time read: 6:53
